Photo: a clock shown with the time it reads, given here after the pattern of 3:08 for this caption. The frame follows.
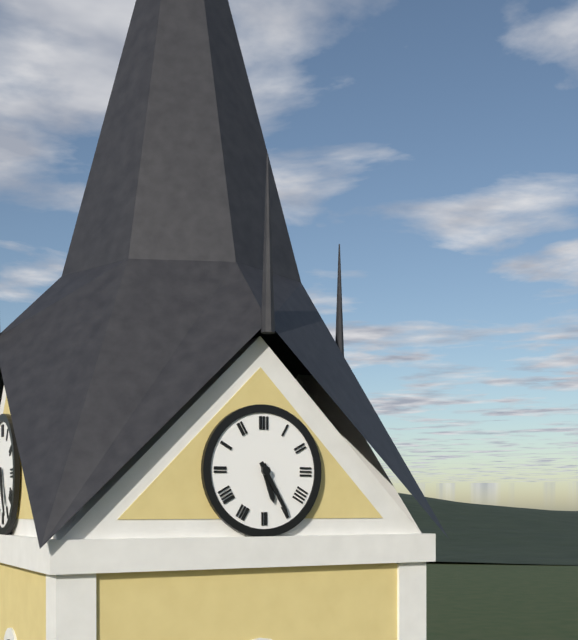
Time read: 5:25
